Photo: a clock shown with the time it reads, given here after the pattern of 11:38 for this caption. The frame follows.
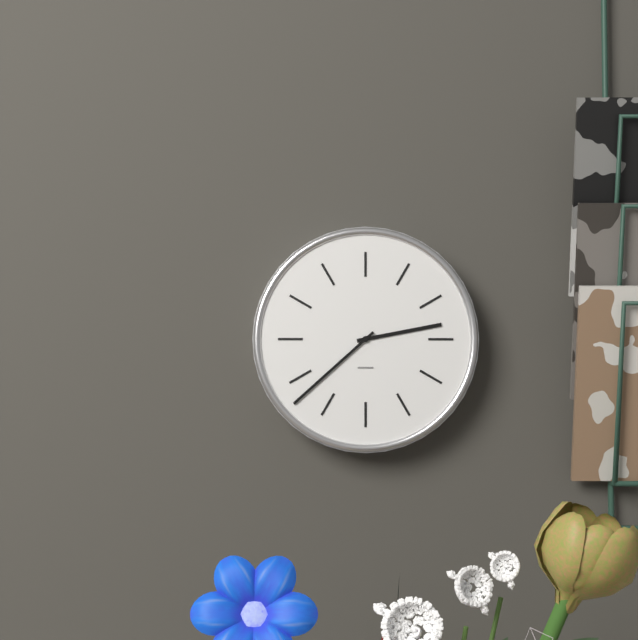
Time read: 2:38
